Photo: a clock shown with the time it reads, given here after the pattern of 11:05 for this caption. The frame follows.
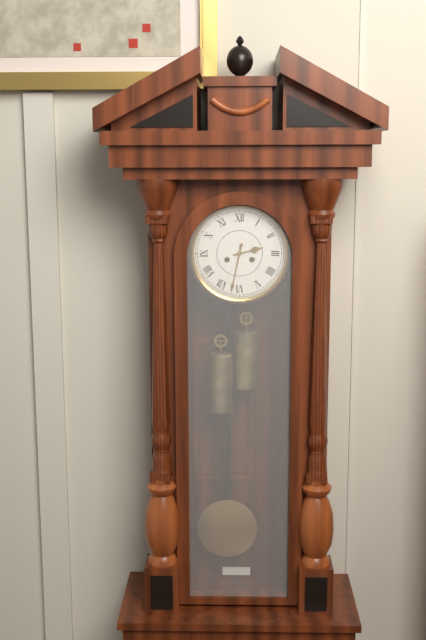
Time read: 2:32
